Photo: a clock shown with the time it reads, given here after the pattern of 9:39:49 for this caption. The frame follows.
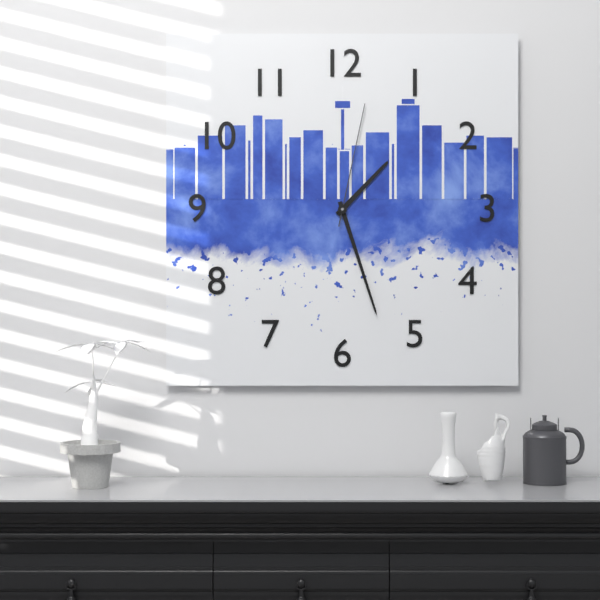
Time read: 1:27:02
